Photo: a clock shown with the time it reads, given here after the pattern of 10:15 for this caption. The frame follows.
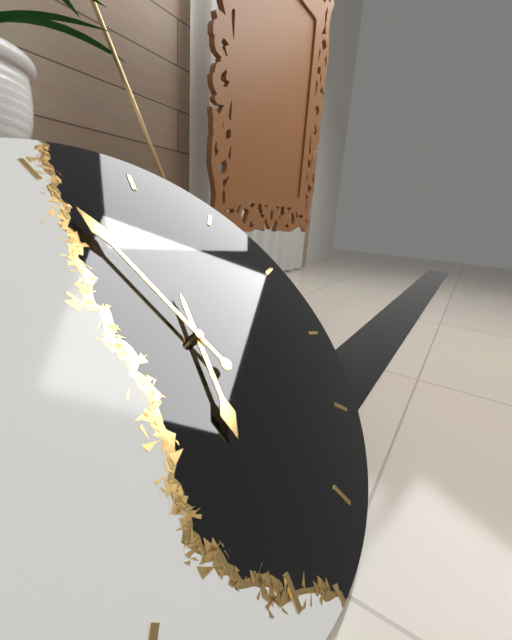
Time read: 7:00
